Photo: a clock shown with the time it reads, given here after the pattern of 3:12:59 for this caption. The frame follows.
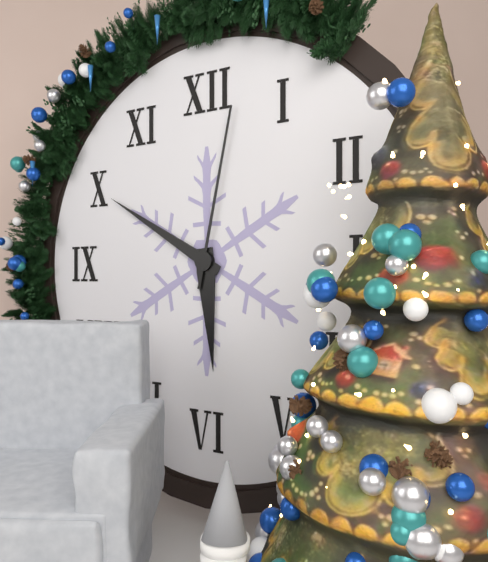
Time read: 5:50:02
